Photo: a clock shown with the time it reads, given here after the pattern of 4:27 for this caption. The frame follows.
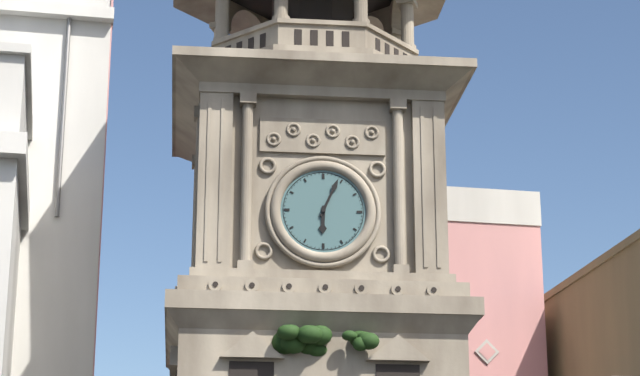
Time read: 6:04
